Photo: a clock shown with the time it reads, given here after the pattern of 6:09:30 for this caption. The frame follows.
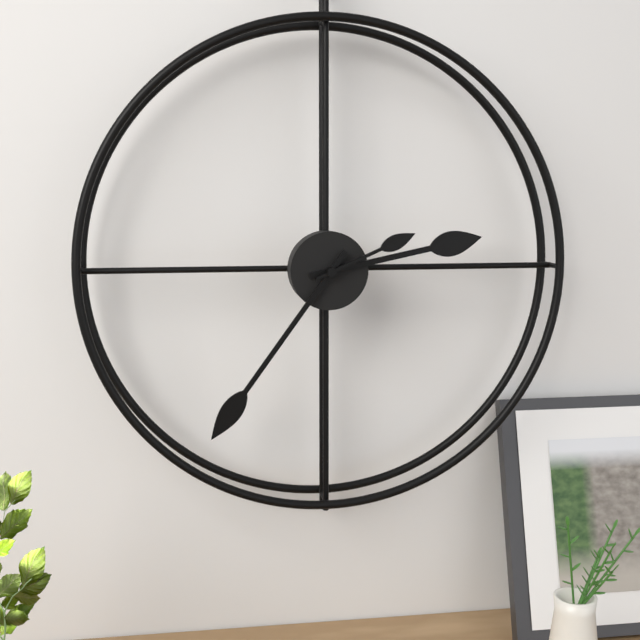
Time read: 2:36:11
